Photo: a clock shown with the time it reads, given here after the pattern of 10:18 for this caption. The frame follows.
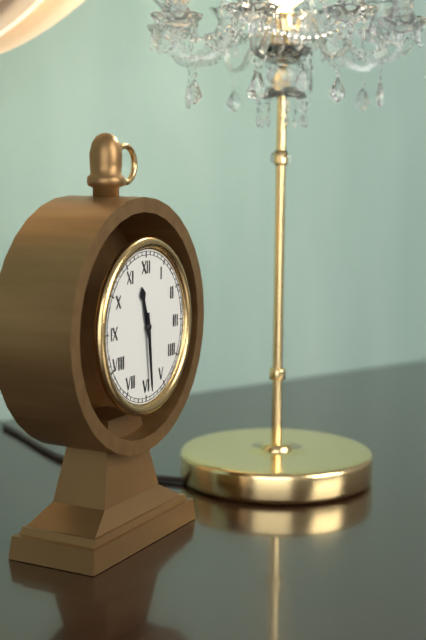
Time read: 11:29
